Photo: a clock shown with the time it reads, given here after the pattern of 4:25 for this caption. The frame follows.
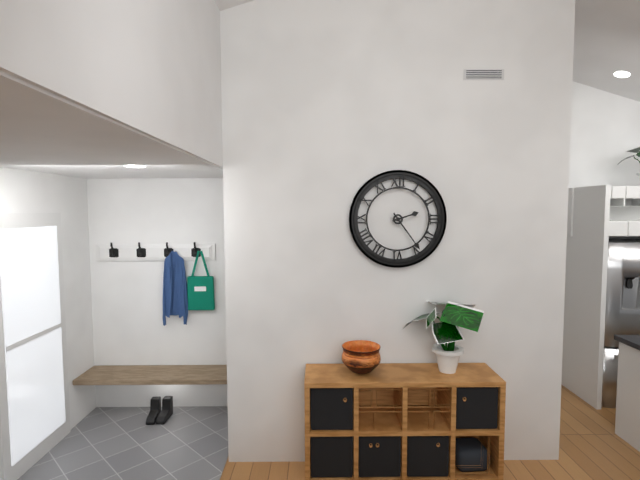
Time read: 2:24
